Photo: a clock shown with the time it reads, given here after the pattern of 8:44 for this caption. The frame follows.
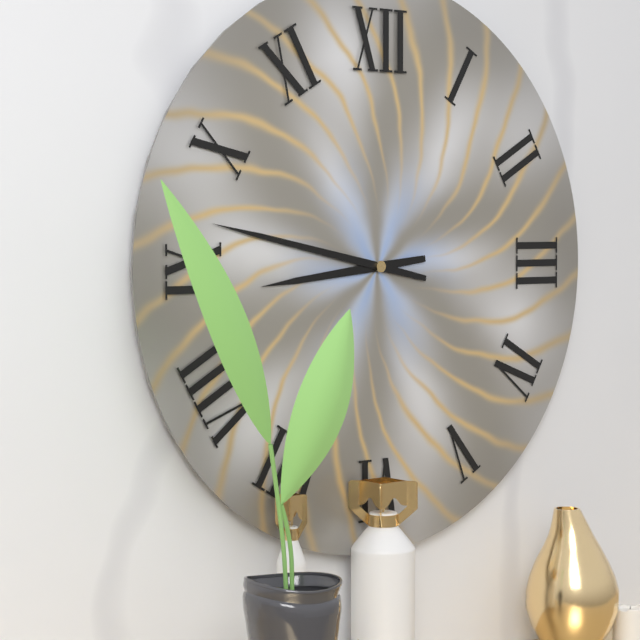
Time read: 8:47
